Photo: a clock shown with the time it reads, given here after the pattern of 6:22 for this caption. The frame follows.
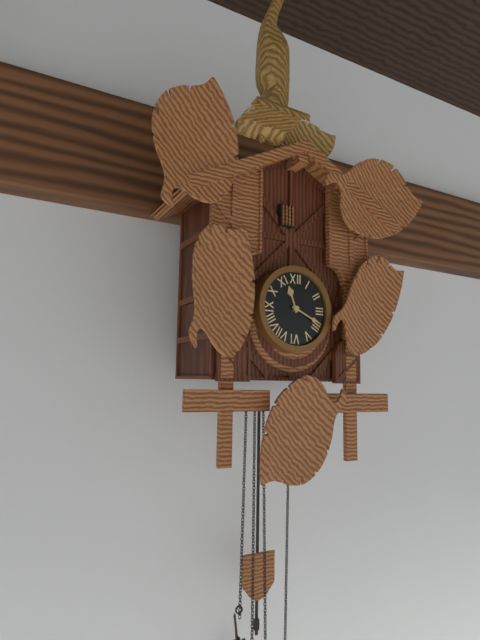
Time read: 11:19
